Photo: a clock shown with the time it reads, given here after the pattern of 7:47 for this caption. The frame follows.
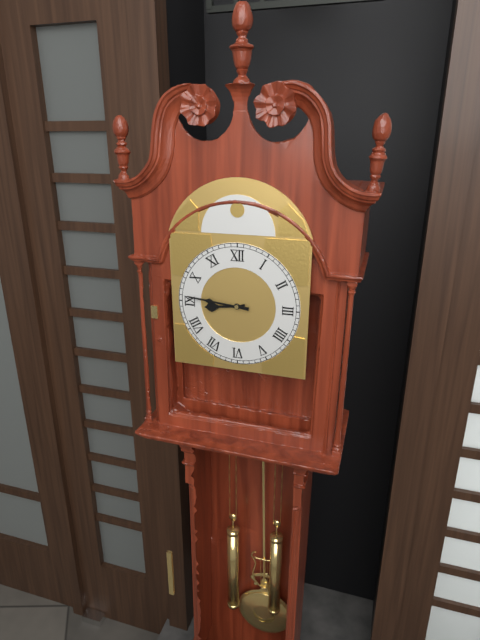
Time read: 8:46
